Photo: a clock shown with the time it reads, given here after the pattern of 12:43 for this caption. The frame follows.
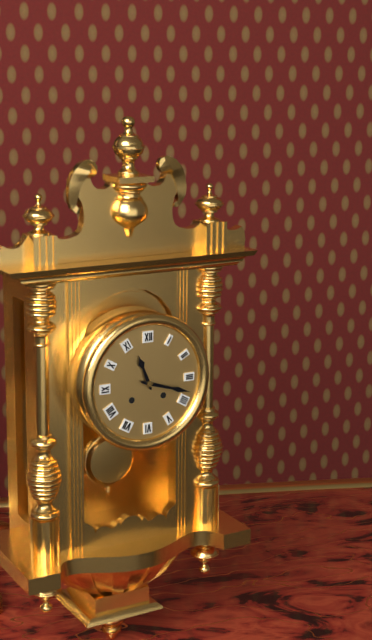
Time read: 11:18
